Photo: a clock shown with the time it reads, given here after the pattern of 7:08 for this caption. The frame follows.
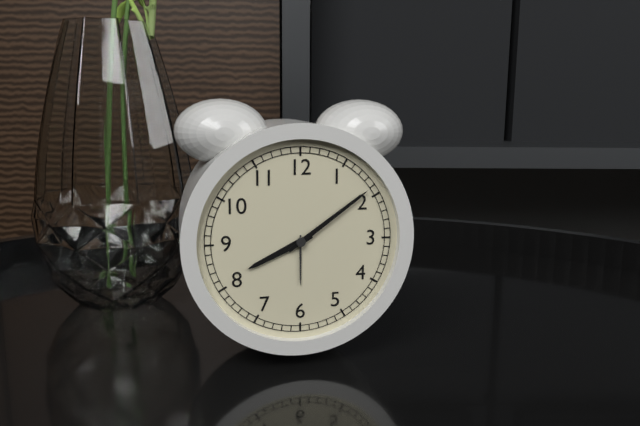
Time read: 8:09
